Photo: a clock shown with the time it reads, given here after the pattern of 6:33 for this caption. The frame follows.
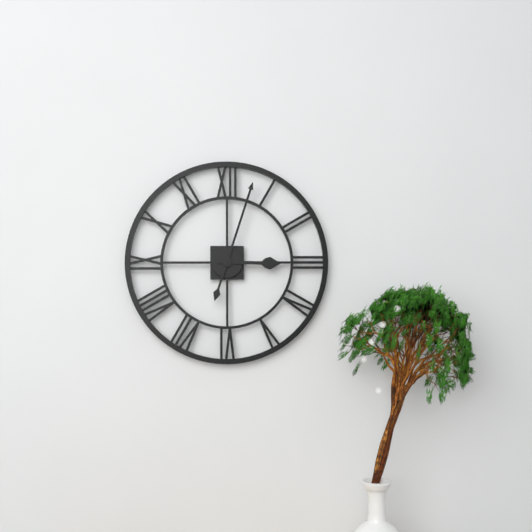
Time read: 3:03
